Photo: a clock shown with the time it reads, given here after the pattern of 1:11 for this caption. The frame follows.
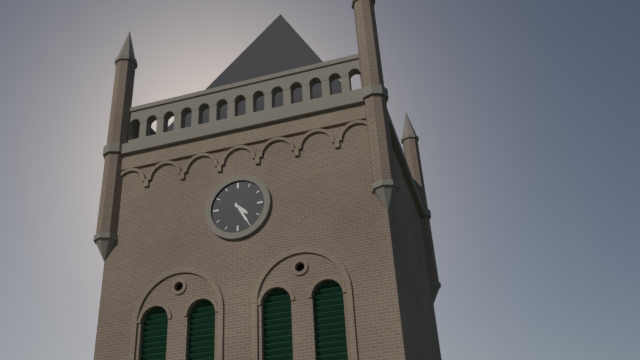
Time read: 4:25
